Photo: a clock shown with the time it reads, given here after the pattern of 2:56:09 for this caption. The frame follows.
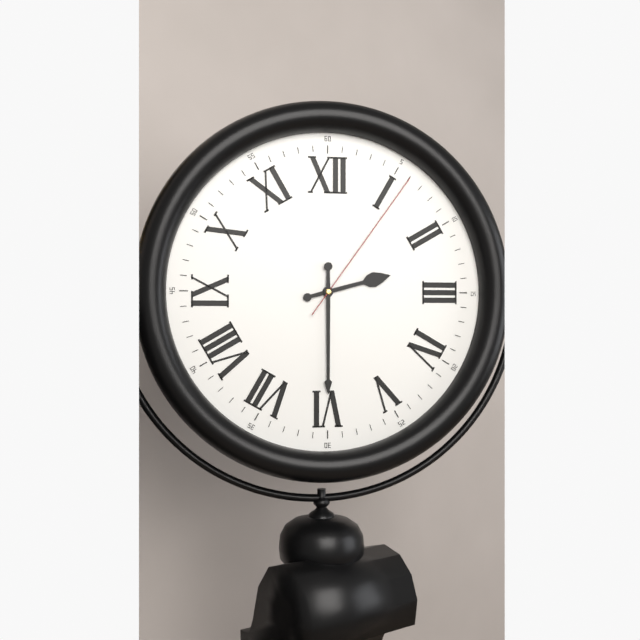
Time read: 2:30:06
